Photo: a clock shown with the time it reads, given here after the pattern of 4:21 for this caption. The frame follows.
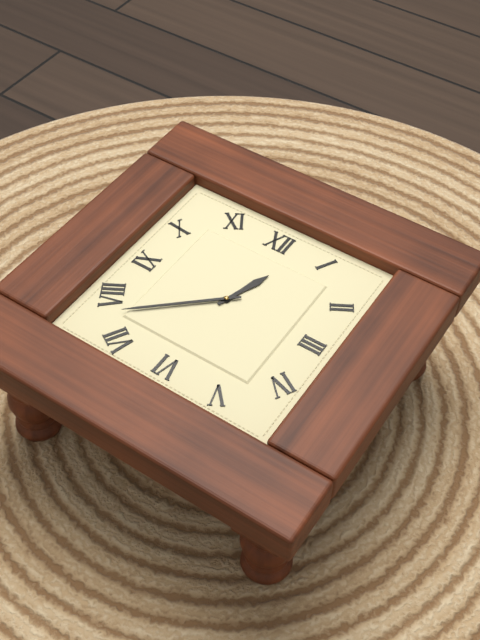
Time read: 12:38
